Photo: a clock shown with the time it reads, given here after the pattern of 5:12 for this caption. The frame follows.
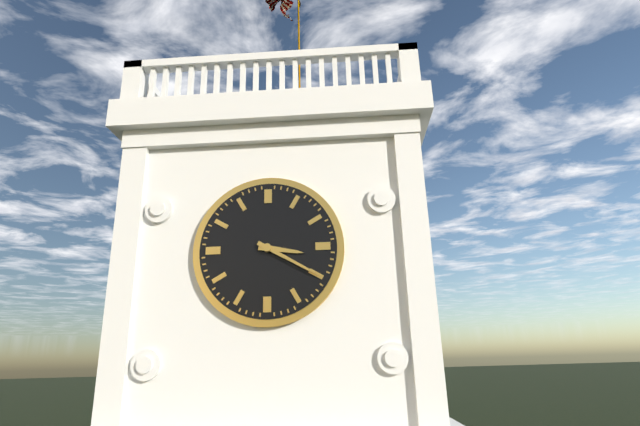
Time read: 3:20
